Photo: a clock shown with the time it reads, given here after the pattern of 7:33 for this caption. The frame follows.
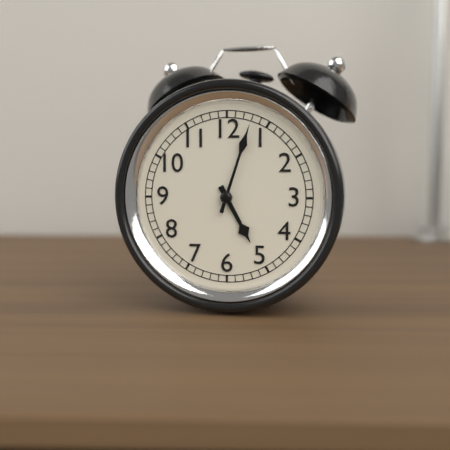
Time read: 5:03
